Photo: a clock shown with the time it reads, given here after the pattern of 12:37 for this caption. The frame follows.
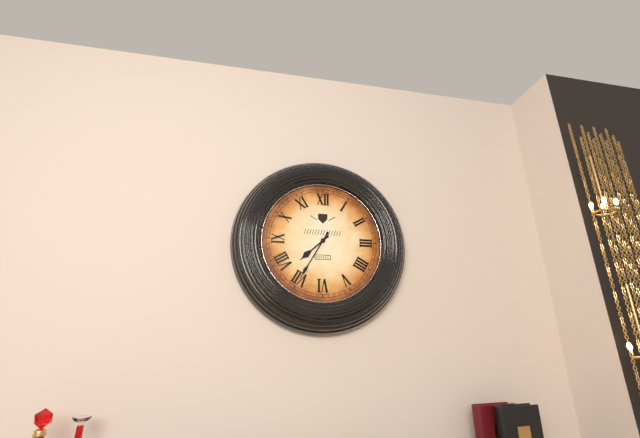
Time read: 7:35
